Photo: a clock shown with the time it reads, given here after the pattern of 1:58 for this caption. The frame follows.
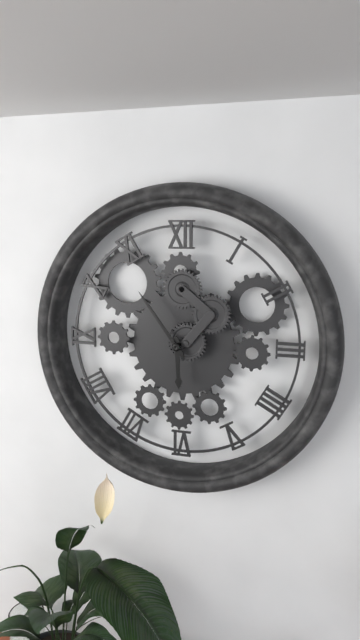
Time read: 5:54
